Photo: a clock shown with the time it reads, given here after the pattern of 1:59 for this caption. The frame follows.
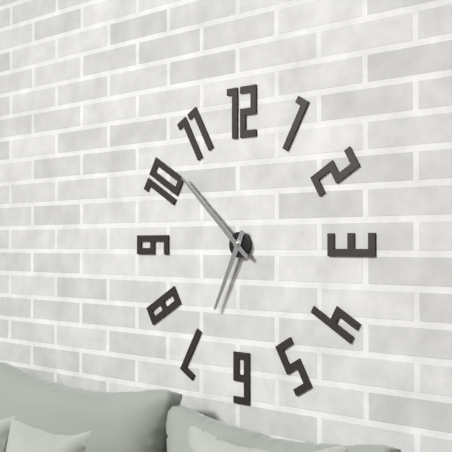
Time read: 6:52
